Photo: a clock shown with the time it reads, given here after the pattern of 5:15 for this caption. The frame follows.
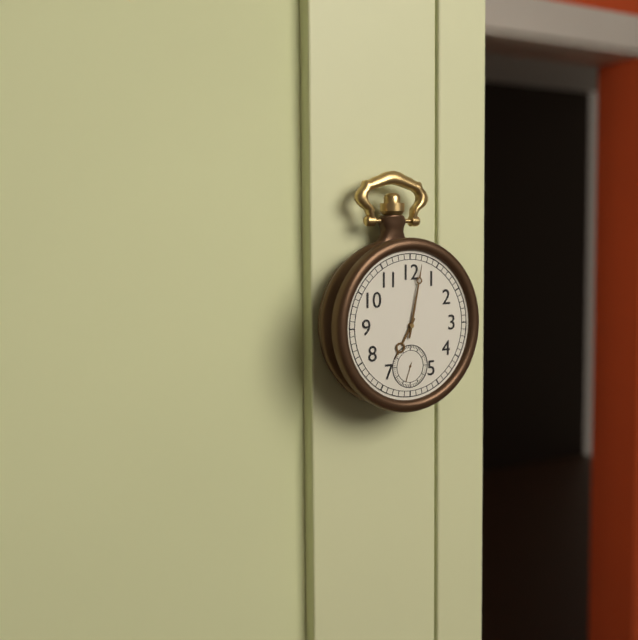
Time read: 7:02
